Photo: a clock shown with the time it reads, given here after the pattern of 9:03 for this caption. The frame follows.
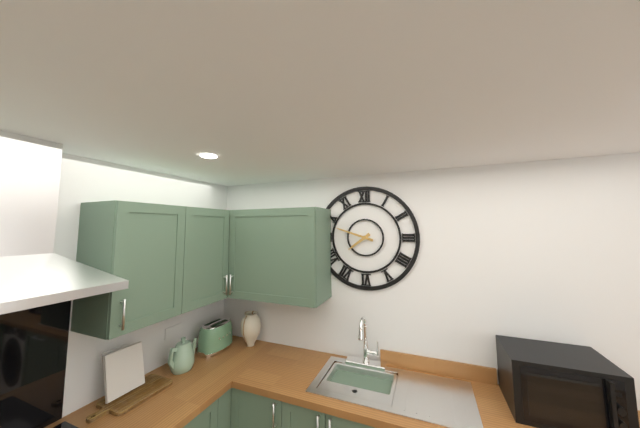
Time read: 7:48
